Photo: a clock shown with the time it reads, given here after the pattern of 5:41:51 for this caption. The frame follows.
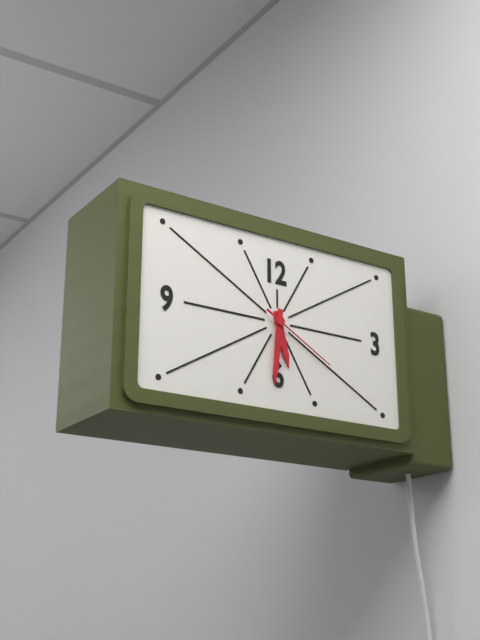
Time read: 5:31:20
